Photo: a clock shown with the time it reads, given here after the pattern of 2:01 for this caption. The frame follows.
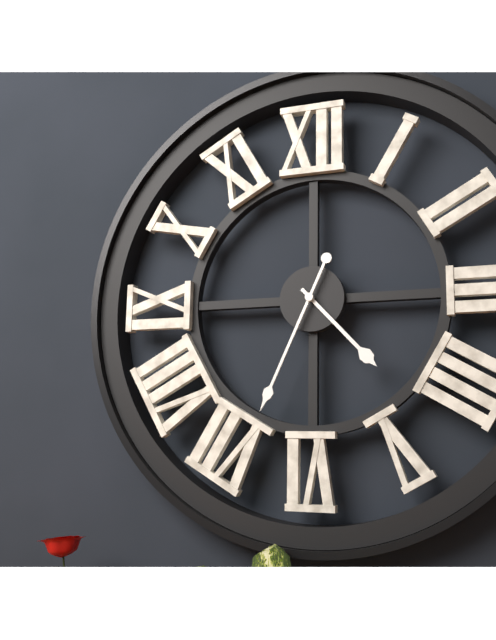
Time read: 4:34
